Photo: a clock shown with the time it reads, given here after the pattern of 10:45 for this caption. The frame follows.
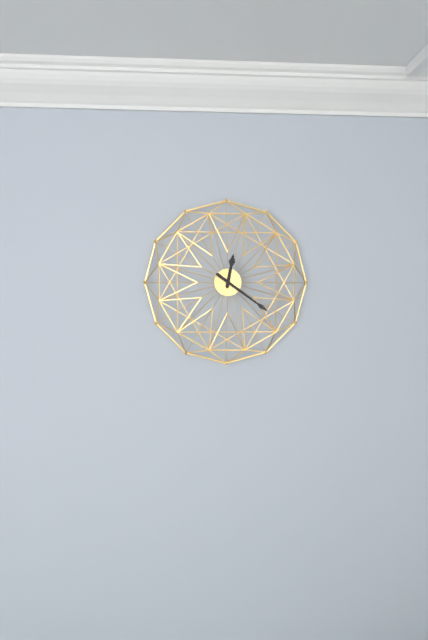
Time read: 12:21
